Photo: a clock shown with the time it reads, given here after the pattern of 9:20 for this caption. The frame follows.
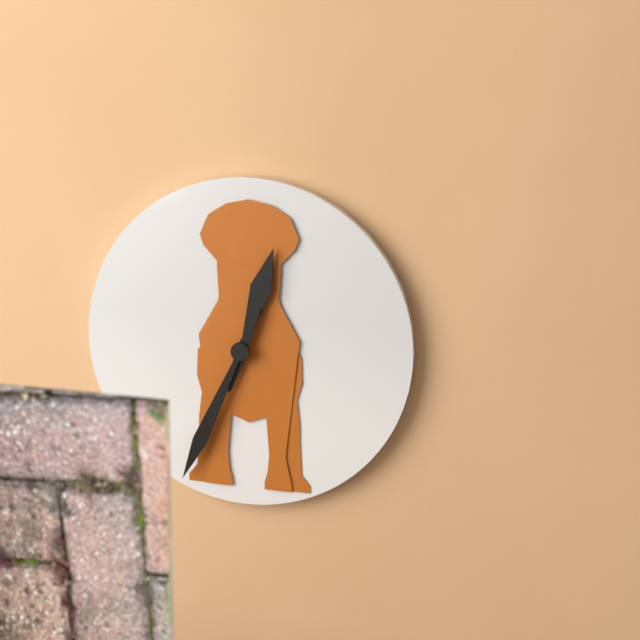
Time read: 12:34
